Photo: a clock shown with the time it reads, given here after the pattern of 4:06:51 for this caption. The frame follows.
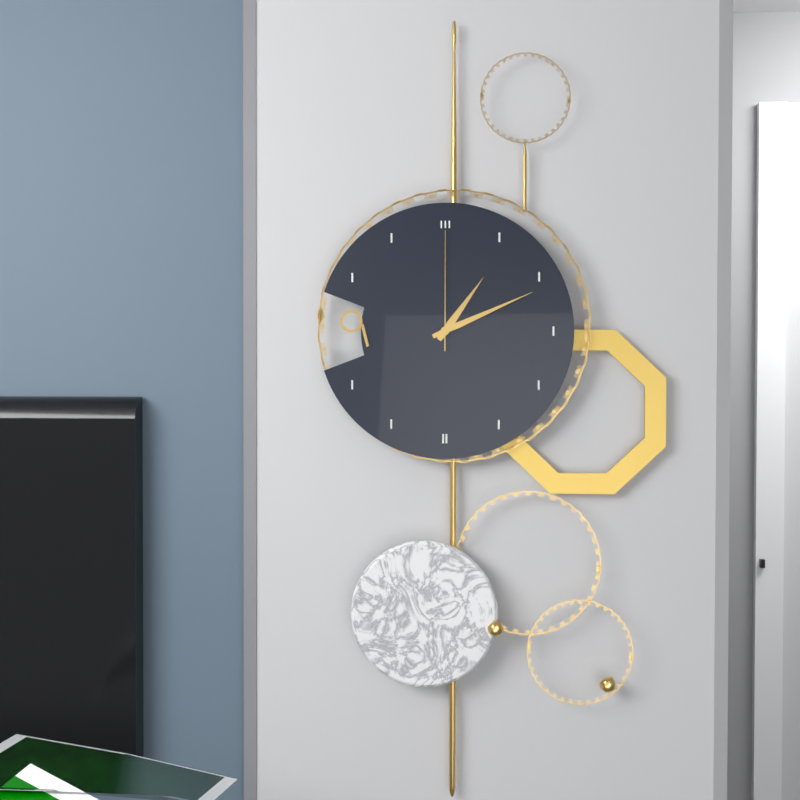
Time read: 1:11:00
